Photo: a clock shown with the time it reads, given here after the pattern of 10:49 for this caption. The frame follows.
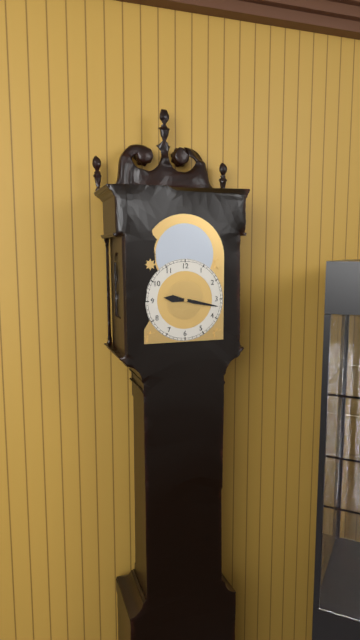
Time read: 9:17
